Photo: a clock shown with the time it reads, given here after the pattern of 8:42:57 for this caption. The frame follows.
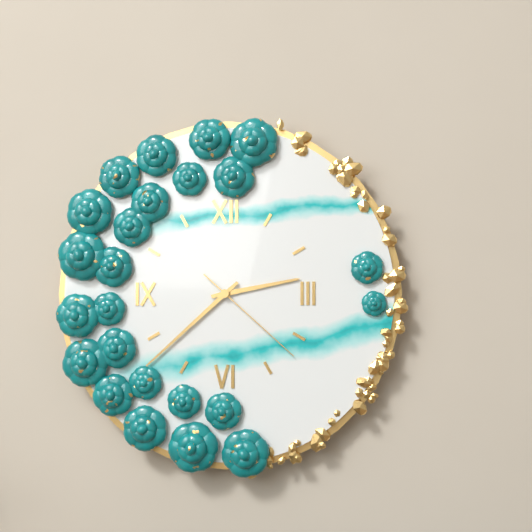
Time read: 2:38:22
